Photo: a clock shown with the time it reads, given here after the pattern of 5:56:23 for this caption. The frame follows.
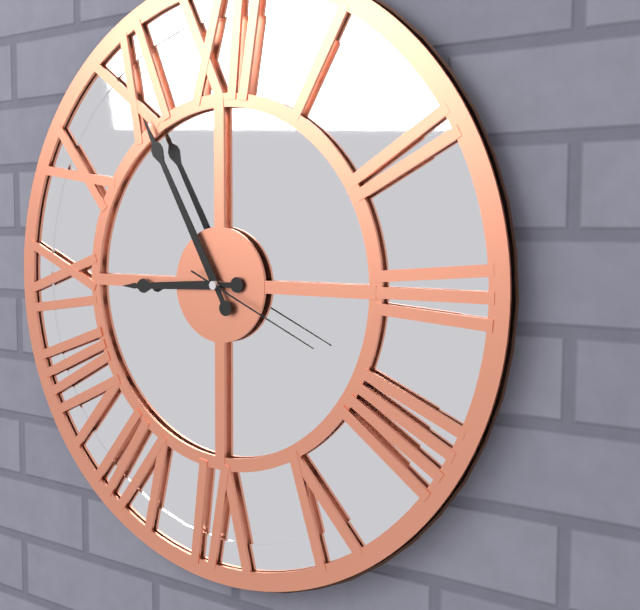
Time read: 8:55:19
